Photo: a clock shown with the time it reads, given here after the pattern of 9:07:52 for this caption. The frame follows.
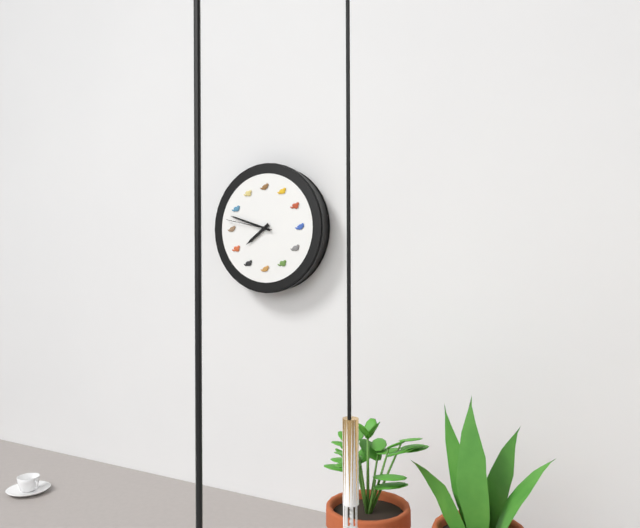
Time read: 7:48:47
